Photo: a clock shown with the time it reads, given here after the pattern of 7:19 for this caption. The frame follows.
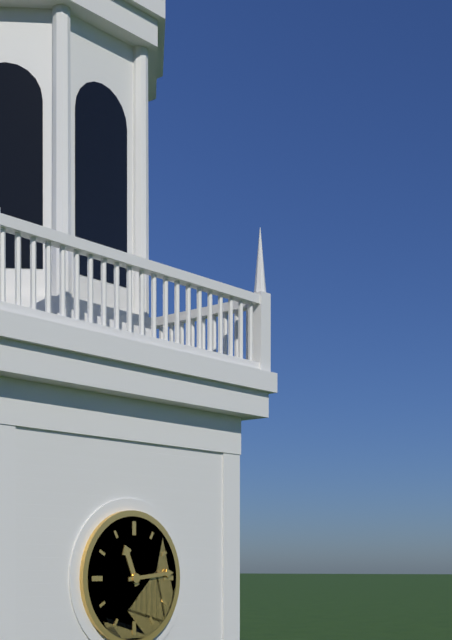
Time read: 11:14
